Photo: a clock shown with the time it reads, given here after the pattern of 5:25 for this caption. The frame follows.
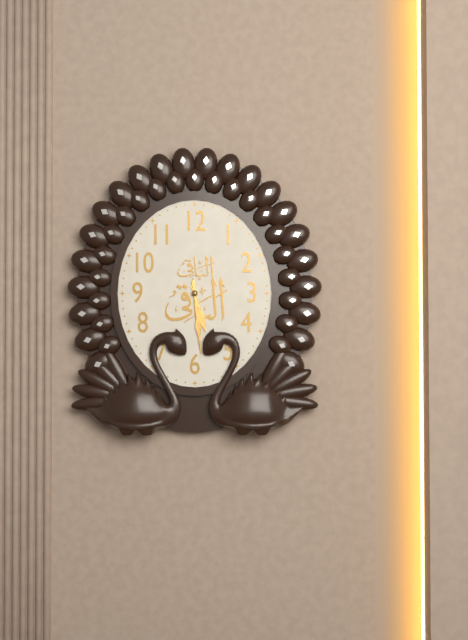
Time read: 5:29
